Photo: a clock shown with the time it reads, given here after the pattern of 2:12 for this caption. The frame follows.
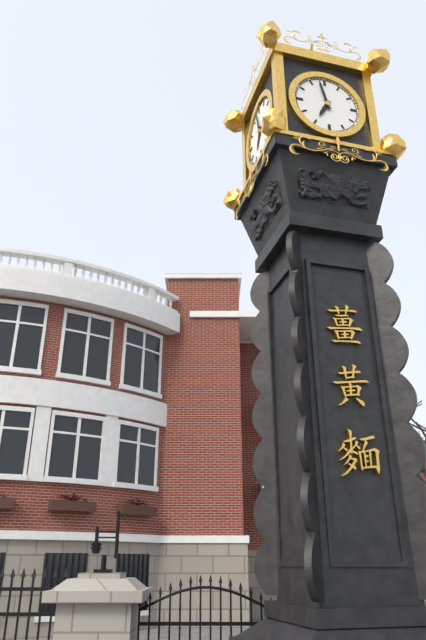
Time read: 6:58
